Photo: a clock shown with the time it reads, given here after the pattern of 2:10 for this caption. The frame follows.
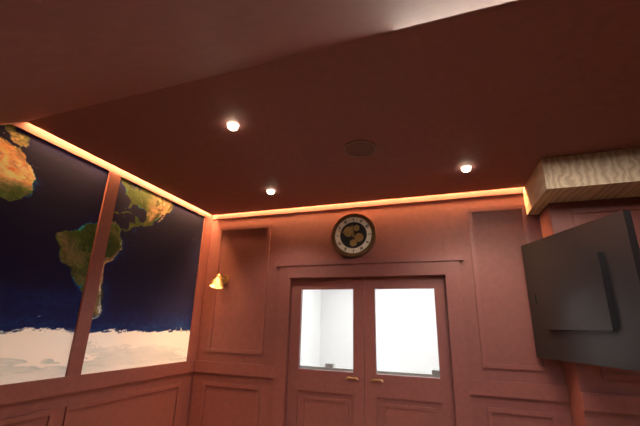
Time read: 11:48
